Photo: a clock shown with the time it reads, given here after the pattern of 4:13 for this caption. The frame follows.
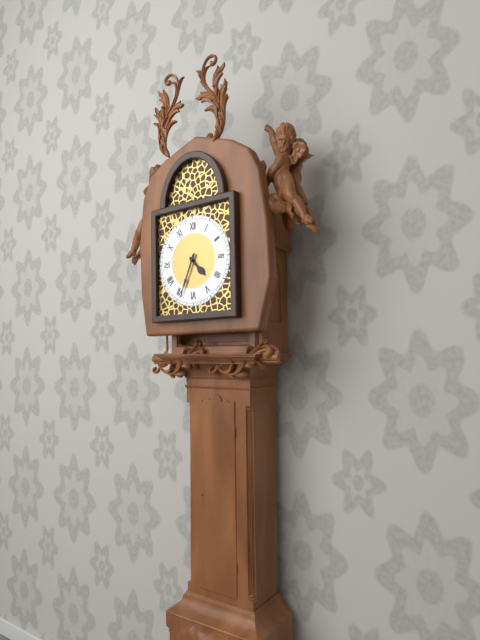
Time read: 4:34
